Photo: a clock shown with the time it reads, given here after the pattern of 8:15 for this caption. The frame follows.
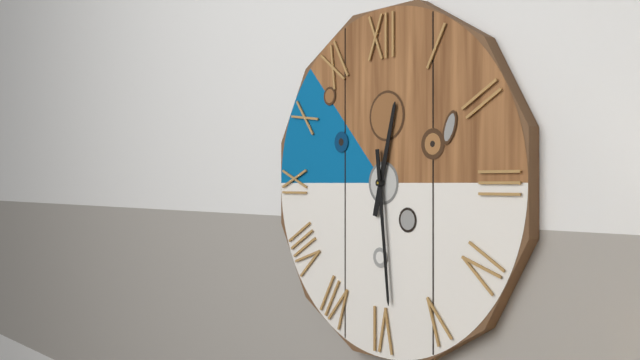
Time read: 12:29
